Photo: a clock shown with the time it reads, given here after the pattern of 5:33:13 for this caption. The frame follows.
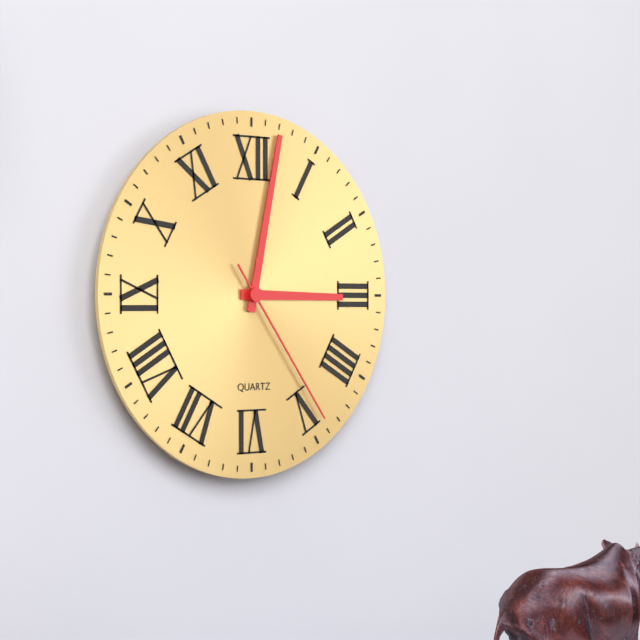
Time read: 3:02:24
